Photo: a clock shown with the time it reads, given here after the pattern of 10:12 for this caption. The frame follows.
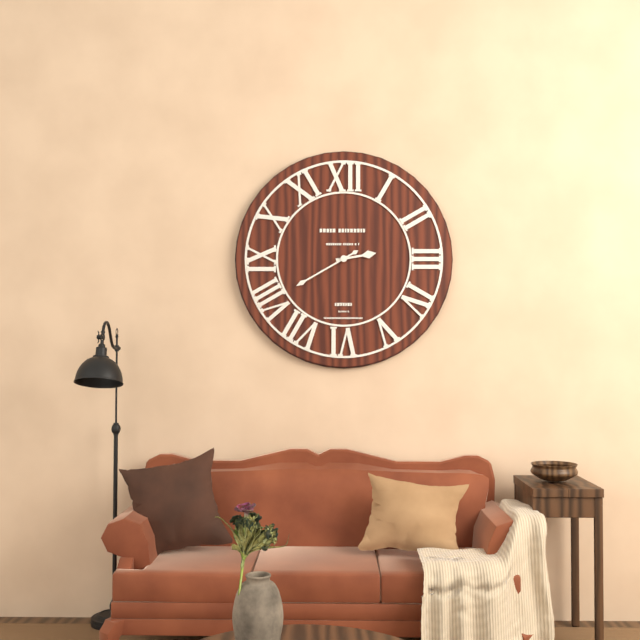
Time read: 2:40
